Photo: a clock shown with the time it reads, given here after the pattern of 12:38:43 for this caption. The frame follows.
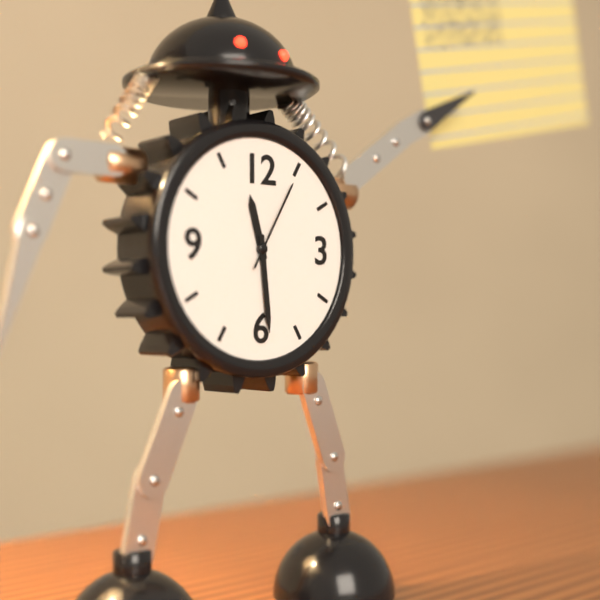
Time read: 11:29:05
